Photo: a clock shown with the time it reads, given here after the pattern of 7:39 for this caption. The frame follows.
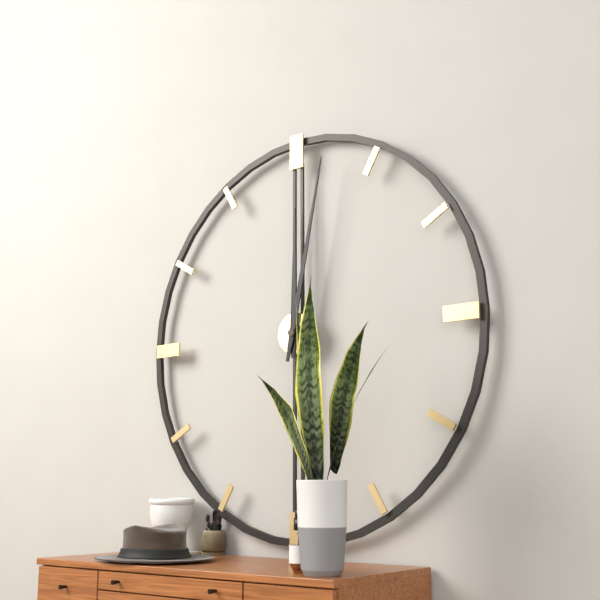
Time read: 12:02
